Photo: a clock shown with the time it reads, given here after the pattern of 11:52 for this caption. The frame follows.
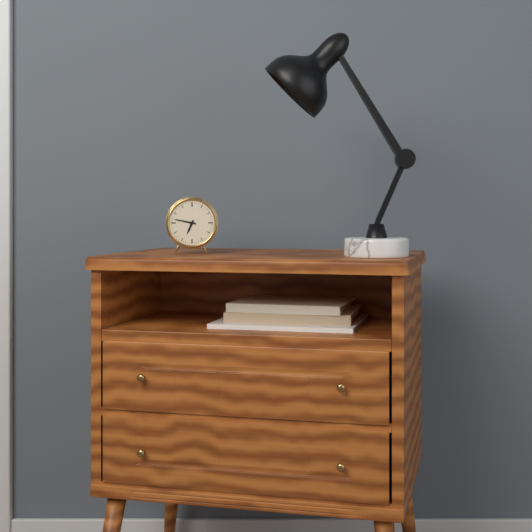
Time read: 6:47
